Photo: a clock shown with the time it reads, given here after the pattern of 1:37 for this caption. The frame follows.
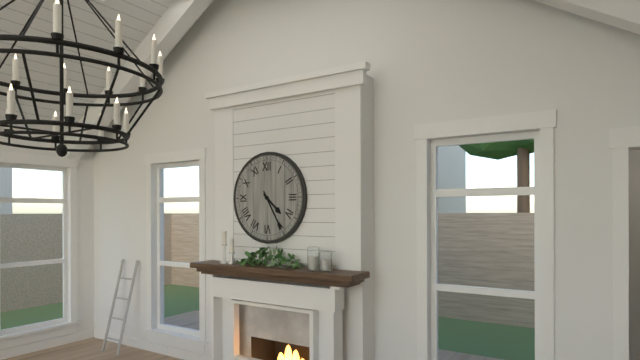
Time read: 4:25
